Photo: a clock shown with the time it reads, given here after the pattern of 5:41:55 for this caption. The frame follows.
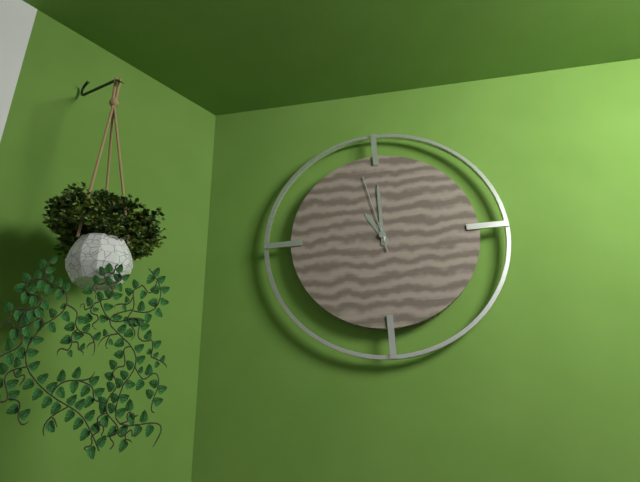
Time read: 11:00:58
